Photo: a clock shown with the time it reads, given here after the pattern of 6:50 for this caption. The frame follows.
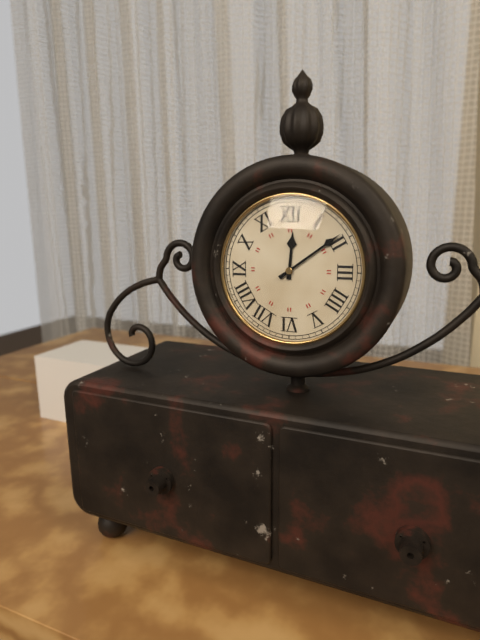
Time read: 12:09
